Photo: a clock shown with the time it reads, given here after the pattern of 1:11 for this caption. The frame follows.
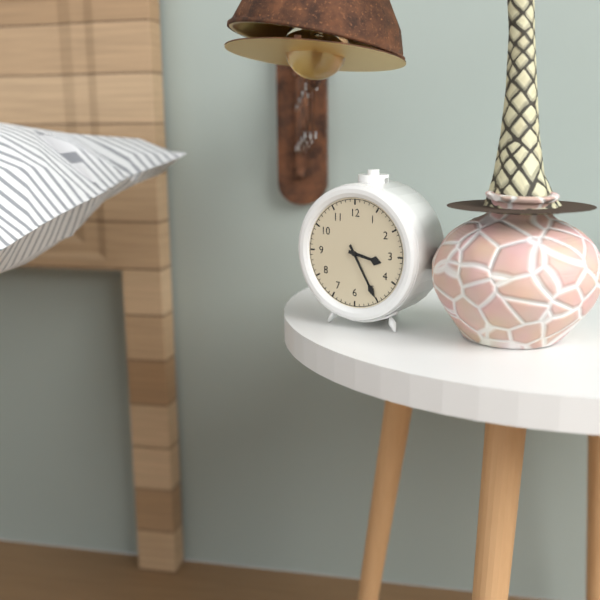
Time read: 3:25
